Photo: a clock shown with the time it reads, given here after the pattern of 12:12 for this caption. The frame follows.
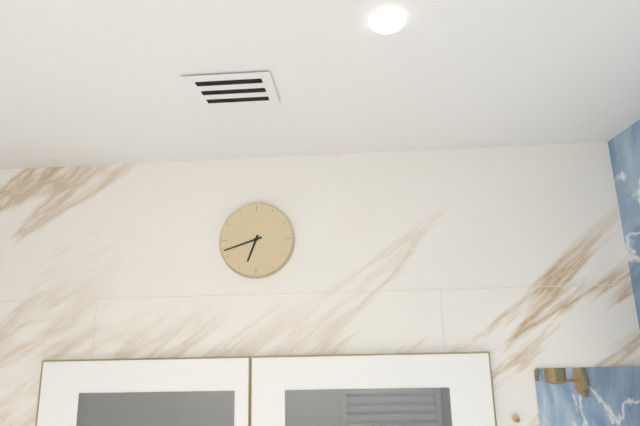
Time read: 6:42
